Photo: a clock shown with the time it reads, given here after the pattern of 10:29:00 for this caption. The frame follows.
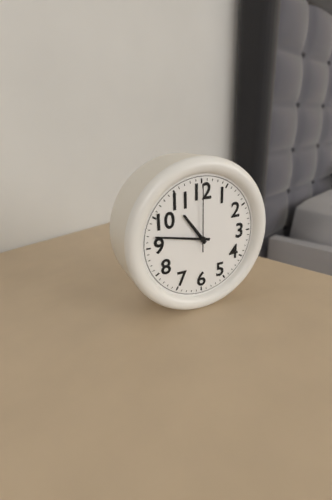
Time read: 10:47:00
